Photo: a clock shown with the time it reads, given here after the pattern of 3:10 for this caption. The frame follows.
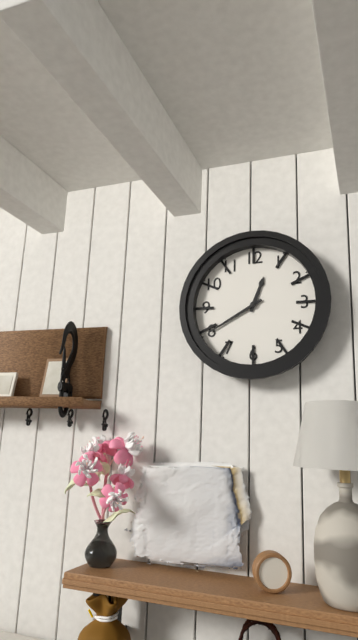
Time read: 12:40
